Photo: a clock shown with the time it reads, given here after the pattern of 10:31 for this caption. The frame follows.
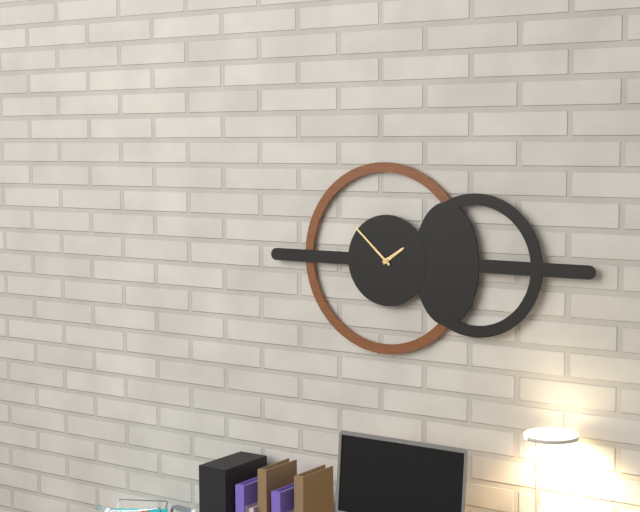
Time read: 1:52
